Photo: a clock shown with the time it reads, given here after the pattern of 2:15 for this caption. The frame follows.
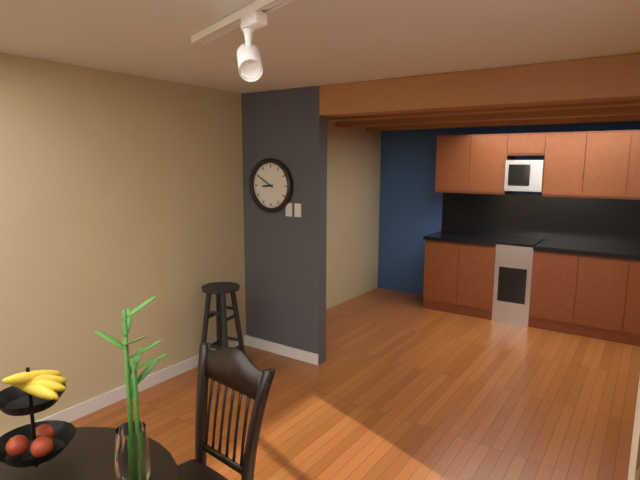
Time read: 8:50
